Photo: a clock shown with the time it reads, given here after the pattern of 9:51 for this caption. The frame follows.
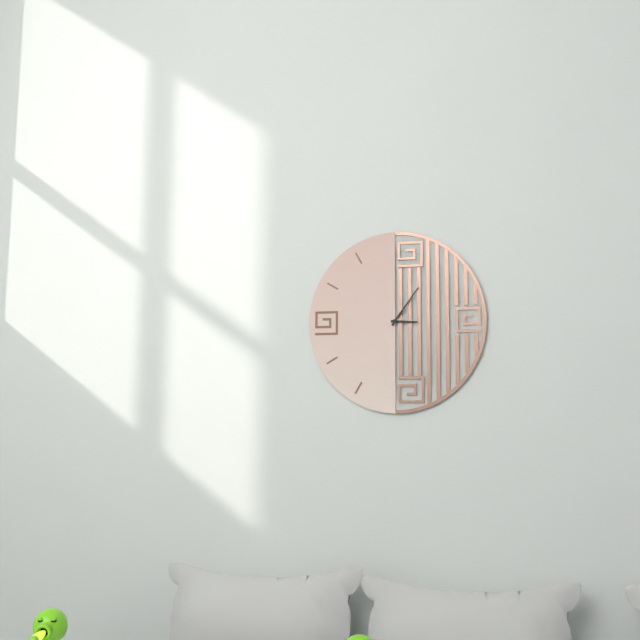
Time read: 3:06
